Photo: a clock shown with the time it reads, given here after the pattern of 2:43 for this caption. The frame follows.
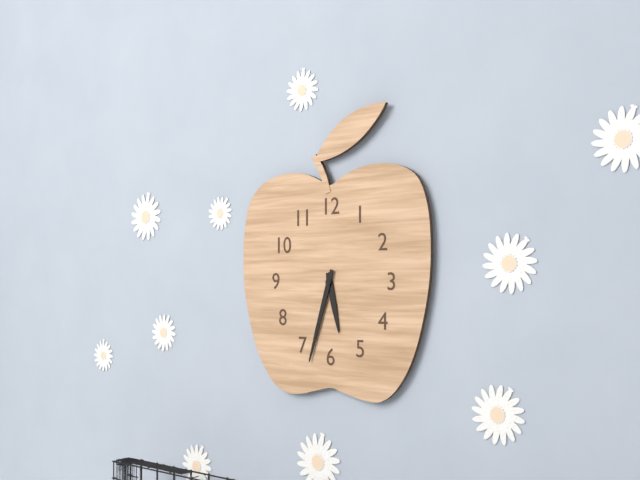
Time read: 5:33
